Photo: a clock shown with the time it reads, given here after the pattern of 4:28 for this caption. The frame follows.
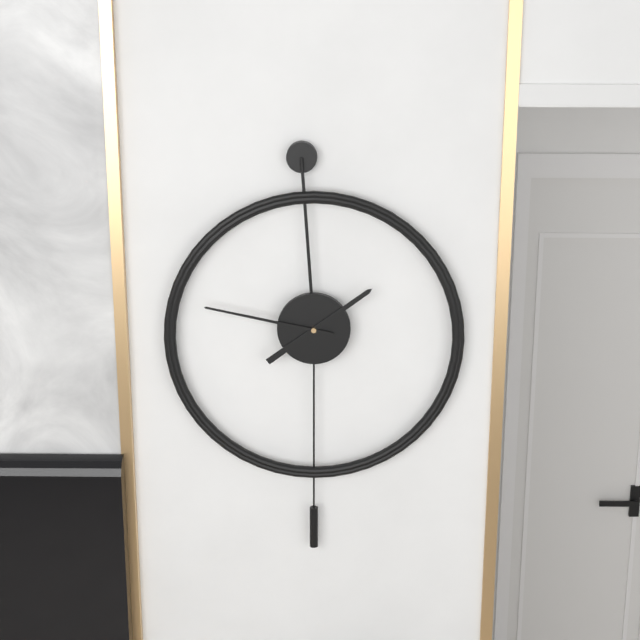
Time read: 1:47
